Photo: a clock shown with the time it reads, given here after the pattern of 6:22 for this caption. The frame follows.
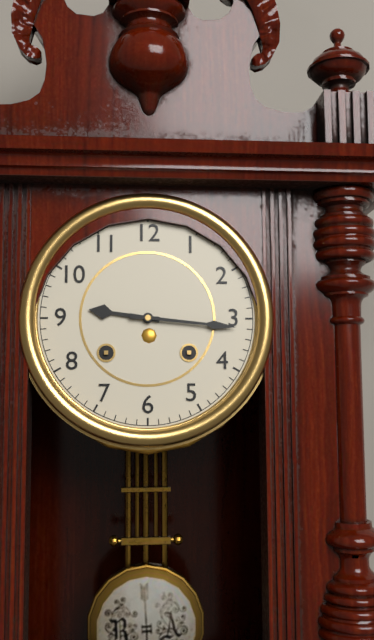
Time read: 9:16
